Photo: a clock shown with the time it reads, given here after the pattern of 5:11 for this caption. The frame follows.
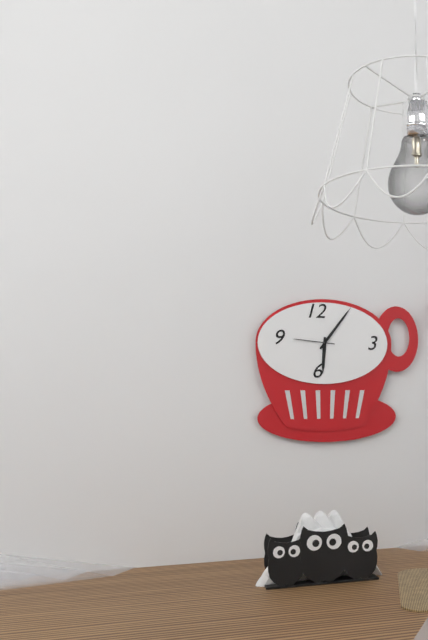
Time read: 6:06
